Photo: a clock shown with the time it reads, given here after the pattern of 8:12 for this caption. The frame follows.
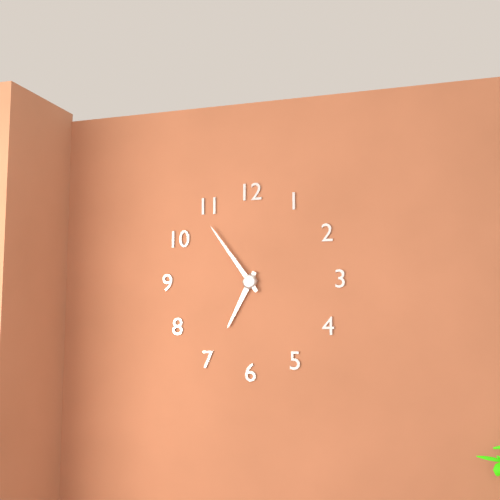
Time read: 6:54
